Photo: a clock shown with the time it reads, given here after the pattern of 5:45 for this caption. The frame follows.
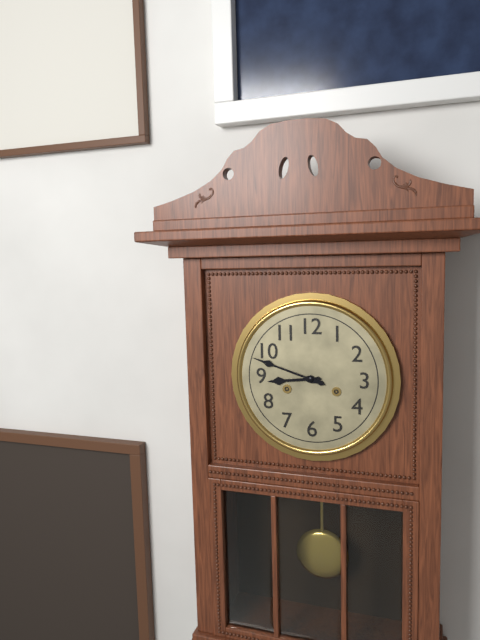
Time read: 8:48
